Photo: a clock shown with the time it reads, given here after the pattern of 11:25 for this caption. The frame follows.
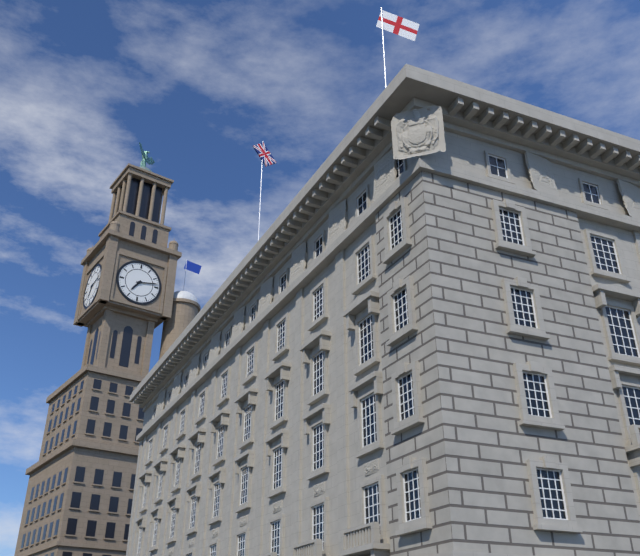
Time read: 7:13
